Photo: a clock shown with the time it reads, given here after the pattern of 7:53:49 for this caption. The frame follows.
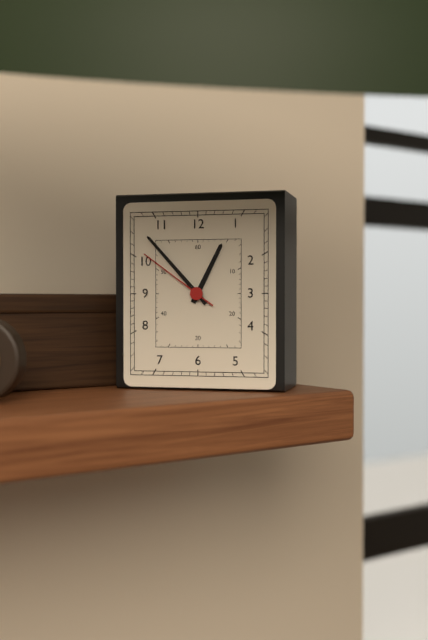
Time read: 12:53:51
